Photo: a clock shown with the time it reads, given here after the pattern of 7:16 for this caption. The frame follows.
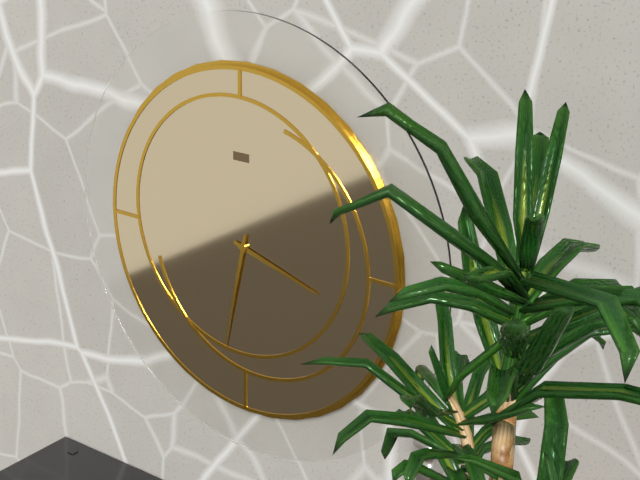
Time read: 3:32
